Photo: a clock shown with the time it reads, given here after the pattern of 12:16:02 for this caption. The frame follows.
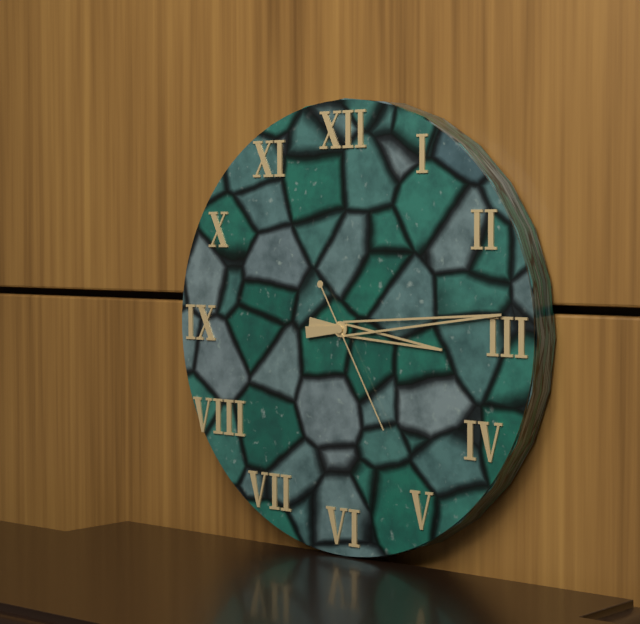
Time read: 3:14:25
